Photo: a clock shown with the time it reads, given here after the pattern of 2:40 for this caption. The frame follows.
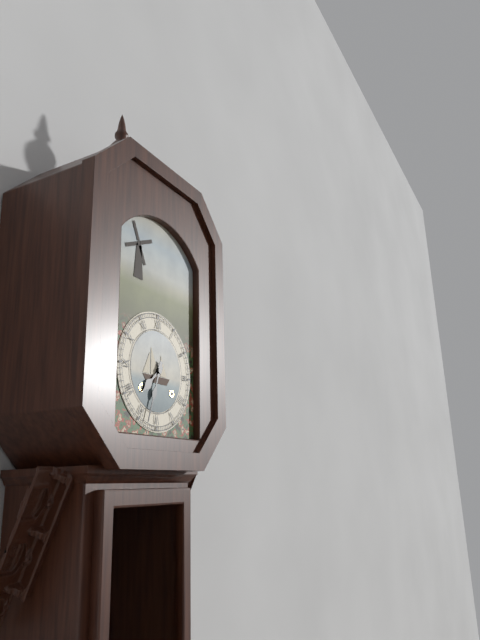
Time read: 7:33
